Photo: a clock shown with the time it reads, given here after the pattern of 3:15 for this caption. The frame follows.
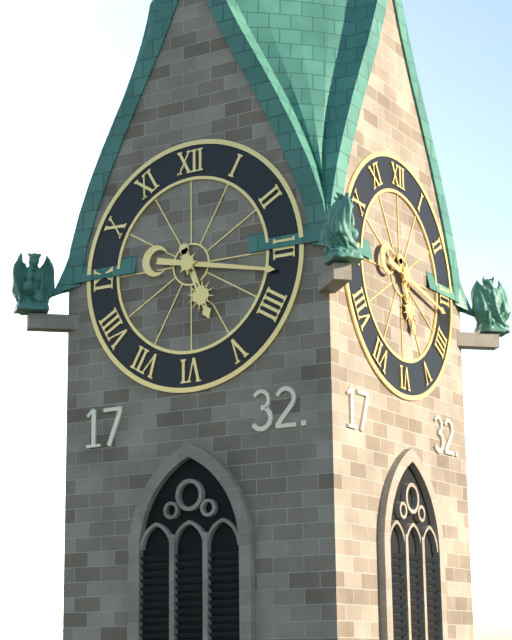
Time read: 5:17
